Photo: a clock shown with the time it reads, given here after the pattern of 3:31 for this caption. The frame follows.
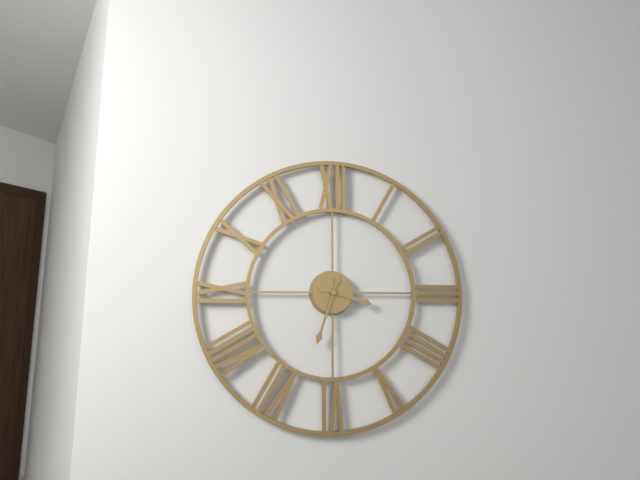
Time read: 3:33
